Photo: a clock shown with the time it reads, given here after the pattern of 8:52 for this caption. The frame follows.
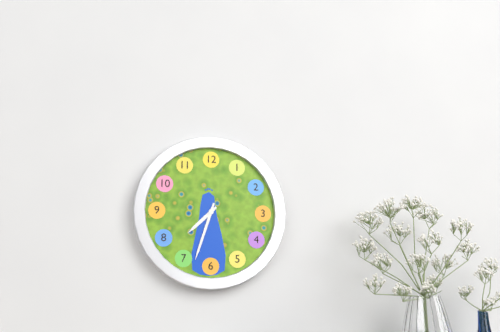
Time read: 7:33
